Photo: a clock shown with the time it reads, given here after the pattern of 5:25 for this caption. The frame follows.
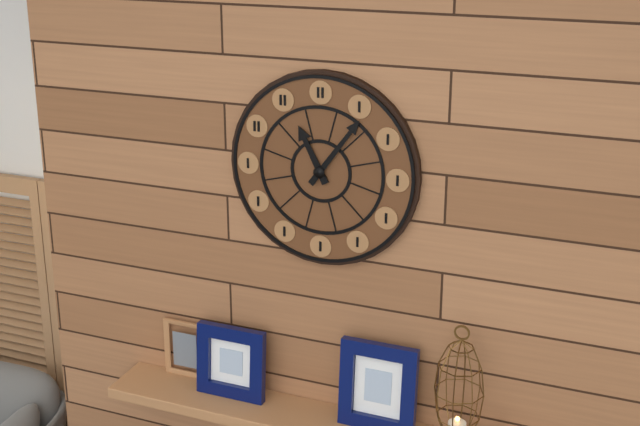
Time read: 11:06
